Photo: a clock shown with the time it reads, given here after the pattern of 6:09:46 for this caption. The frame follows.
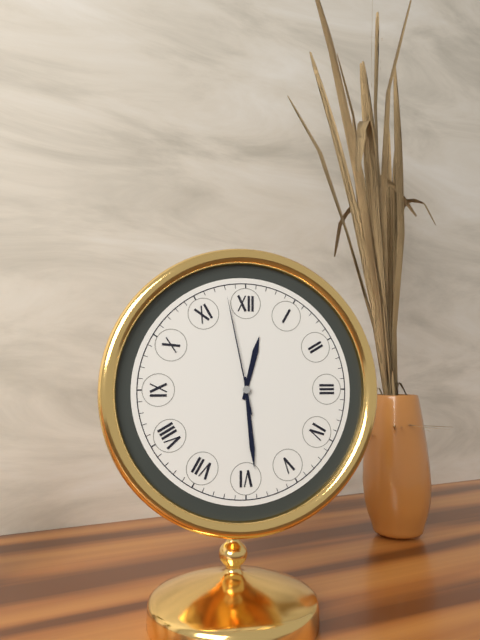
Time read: 12:29:58
